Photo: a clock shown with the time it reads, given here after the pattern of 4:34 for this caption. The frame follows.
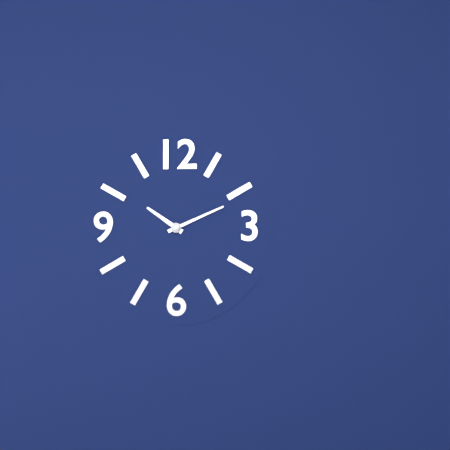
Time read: 10:11
